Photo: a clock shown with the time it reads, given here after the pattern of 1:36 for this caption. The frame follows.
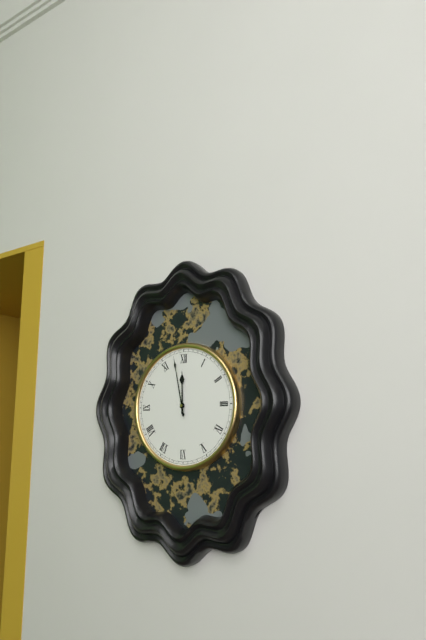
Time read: 11:58
